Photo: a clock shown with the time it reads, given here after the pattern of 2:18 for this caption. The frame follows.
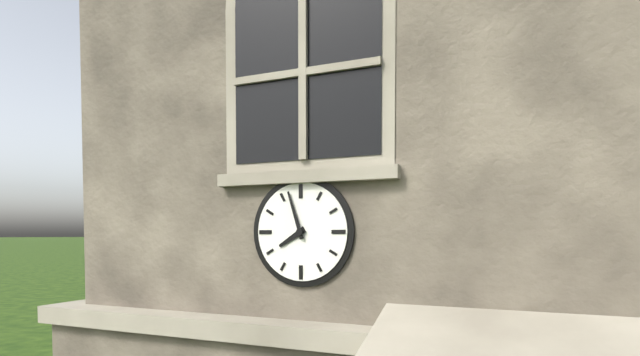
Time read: 7:57
